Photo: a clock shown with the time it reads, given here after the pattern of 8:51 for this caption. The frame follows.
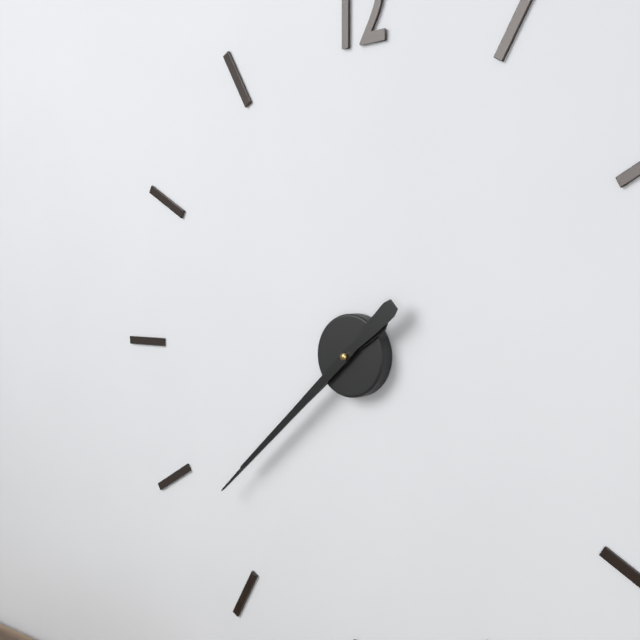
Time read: 7:38
